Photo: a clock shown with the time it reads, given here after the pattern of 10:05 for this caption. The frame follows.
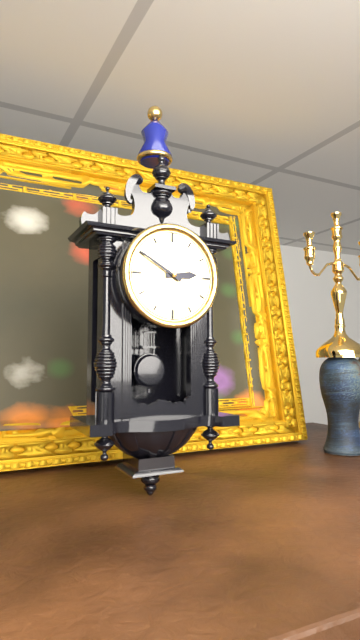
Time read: 2:50
